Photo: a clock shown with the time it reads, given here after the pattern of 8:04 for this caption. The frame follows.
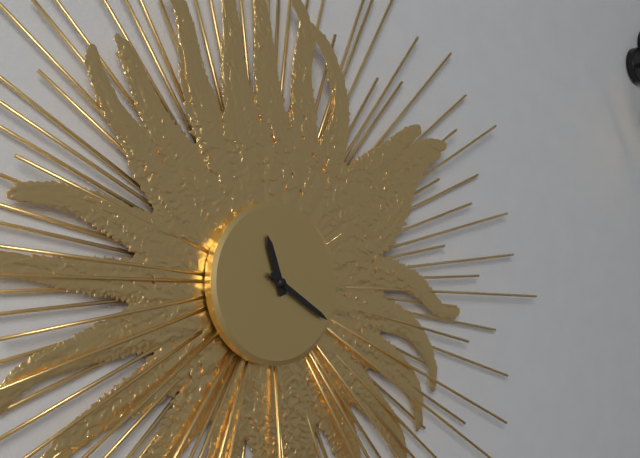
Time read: 11:20
